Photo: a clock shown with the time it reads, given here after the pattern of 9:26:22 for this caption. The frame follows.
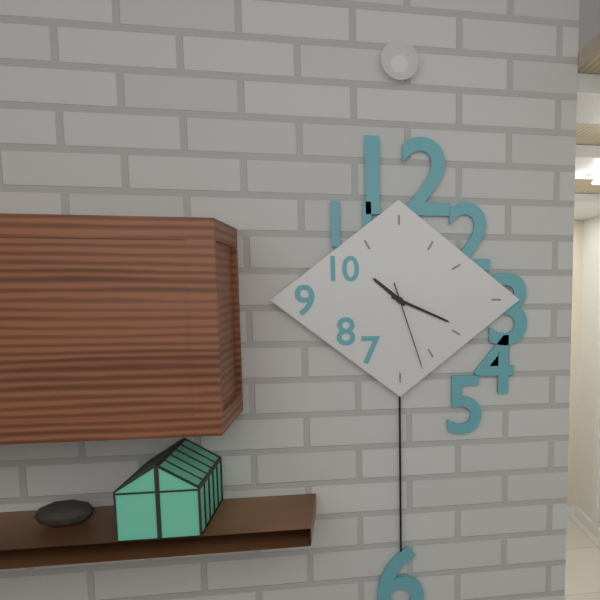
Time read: 10:19:27
